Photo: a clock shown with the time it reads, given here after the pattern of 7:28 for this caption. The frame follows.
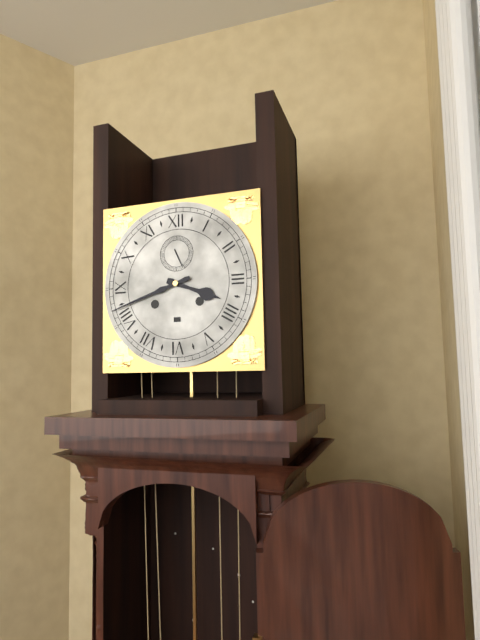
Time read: 3:42
